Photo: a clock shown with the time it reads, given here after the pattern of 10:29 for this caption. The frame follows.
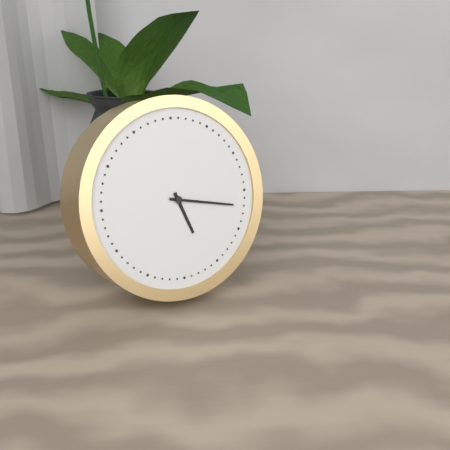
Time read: 5:17
